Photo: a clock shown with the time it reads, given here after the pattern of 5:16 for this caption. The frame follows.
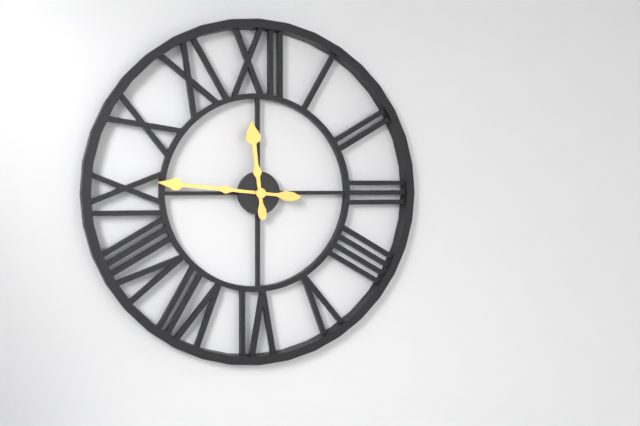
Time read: 11:46
